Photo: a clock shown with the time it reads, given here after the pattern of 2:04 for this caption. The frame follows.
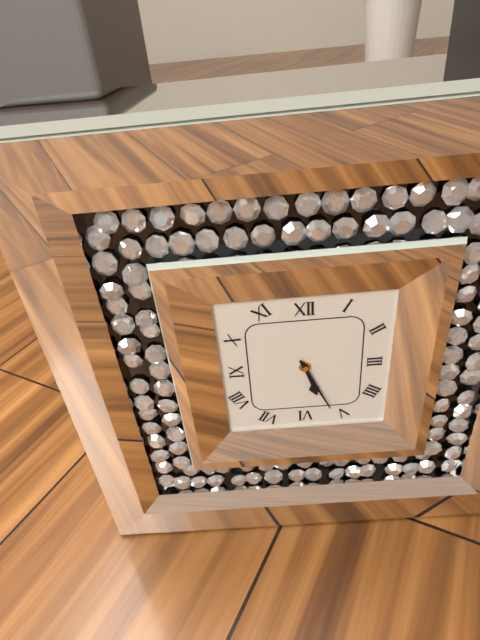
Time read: 5:26
